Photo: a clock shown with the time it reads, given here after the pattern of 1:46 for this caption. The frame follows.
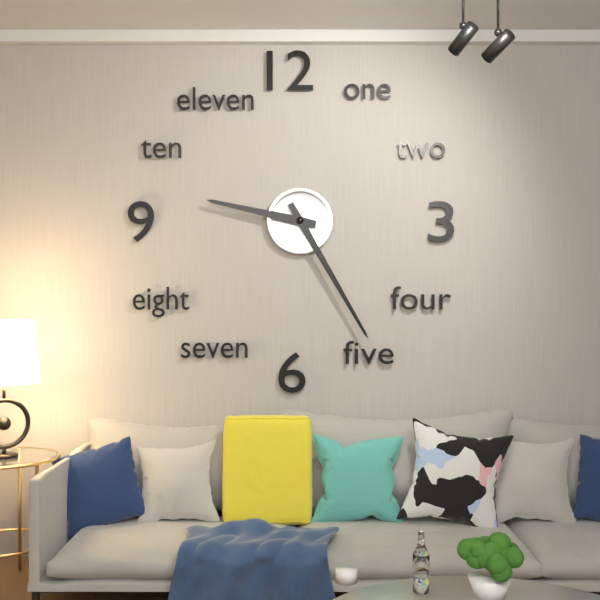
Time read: 9:25
